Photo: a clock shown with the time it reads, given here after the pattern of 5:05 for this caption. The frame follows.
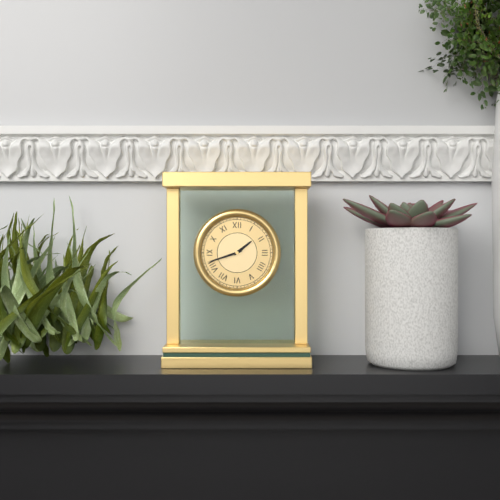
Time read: 1:42
